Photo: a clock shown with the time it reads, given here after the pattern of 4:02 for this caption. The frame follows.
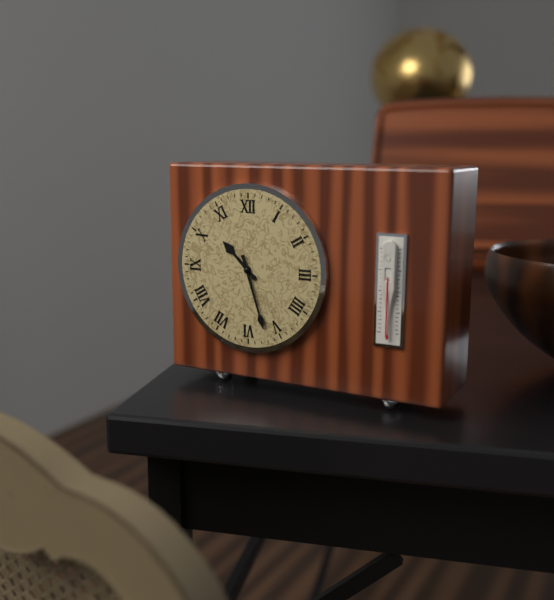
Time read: 10:27
